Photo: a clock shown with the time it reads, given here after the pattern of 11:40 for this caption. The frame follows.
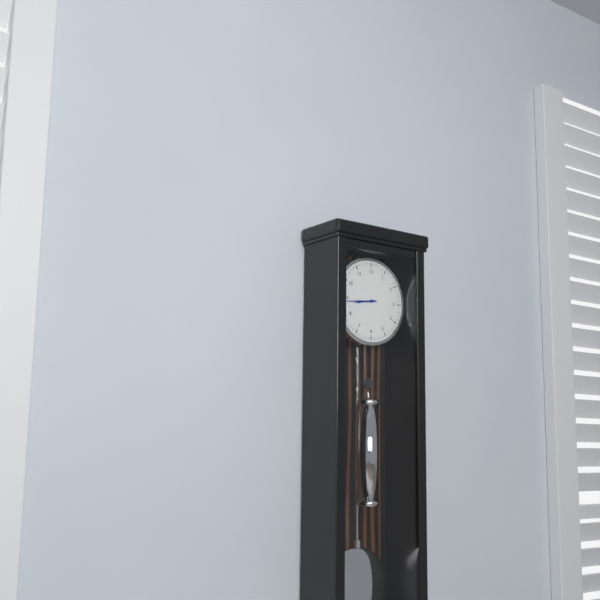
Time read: 8:44
